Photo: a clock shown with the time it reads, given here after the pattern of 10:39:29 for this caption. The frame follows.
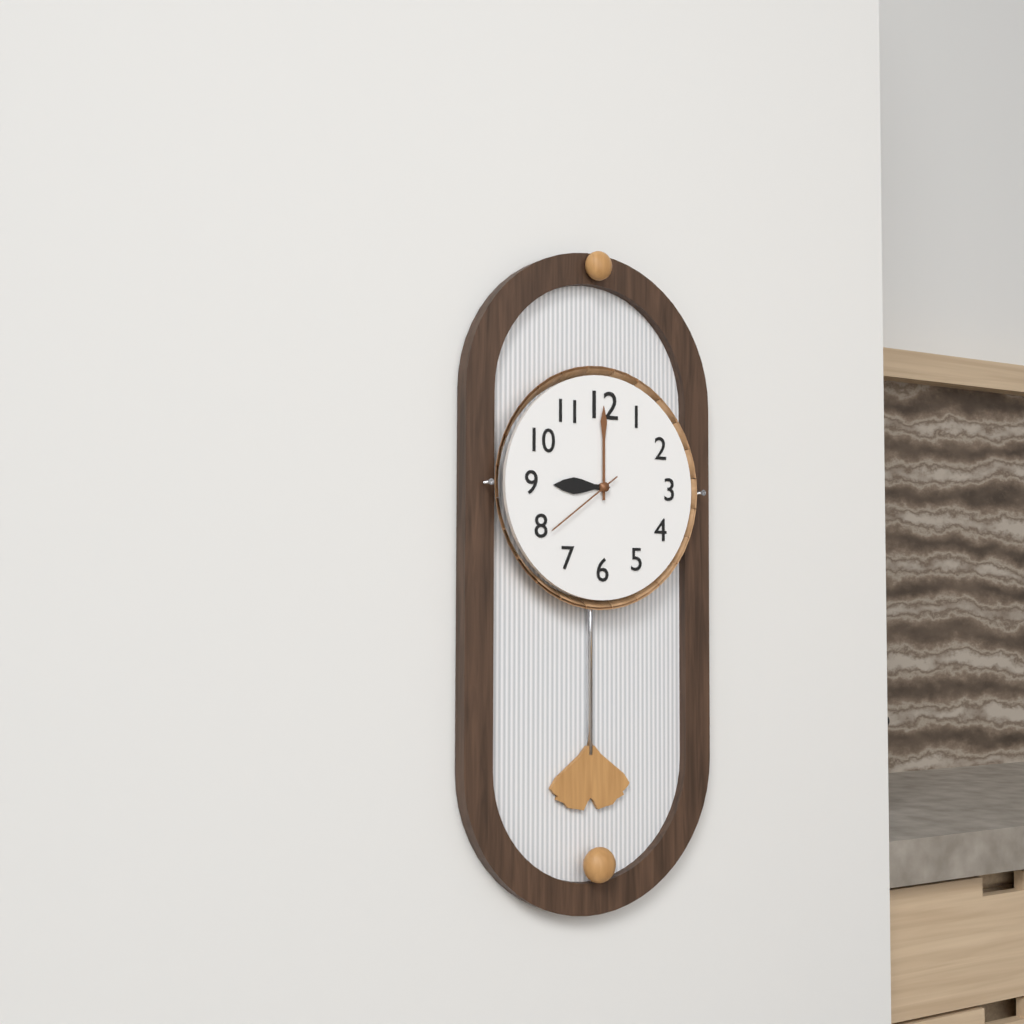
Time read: 9:00:39
